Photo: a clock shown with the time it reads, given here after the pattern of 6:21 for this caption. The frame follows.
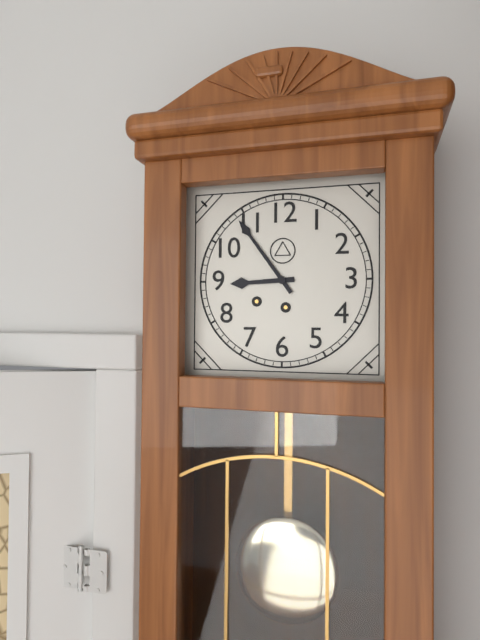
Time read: 8:54
